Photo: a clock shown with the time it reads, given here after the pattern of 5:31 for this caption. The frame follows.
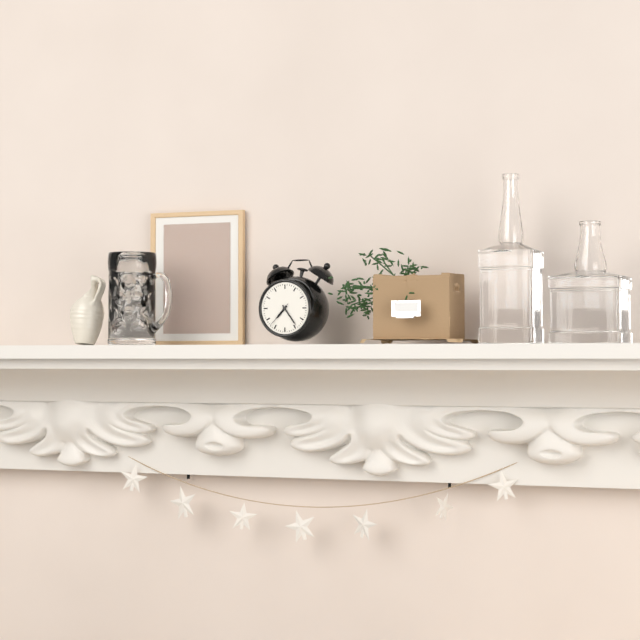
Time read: 7:24
